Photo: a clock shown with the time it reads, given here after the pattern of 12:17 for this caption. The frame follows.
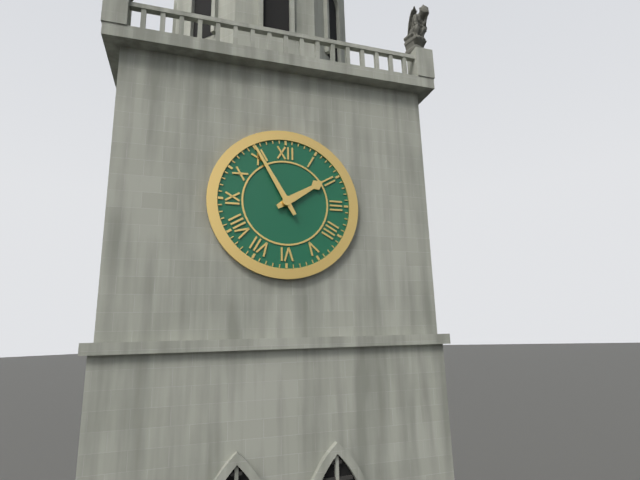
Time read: 1:55
